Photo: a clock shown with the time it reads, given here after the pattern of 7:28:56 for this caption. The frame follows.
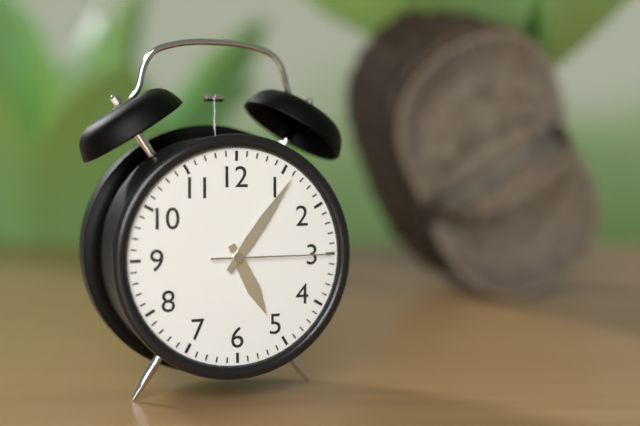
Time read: 5:06:15
